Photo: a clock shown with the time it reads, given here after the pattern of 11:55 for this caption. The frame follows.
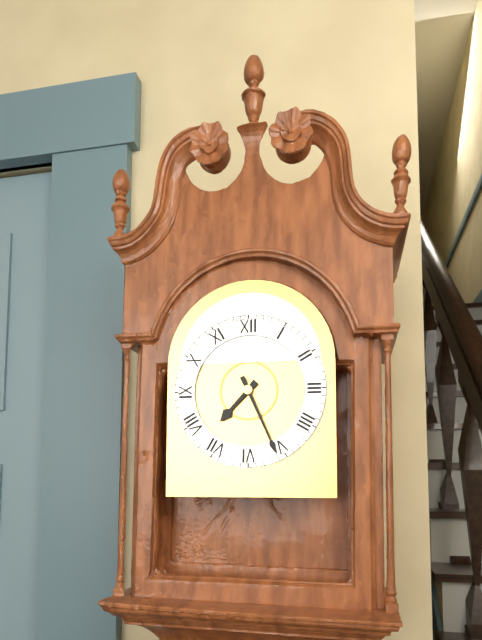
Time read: 7:26
